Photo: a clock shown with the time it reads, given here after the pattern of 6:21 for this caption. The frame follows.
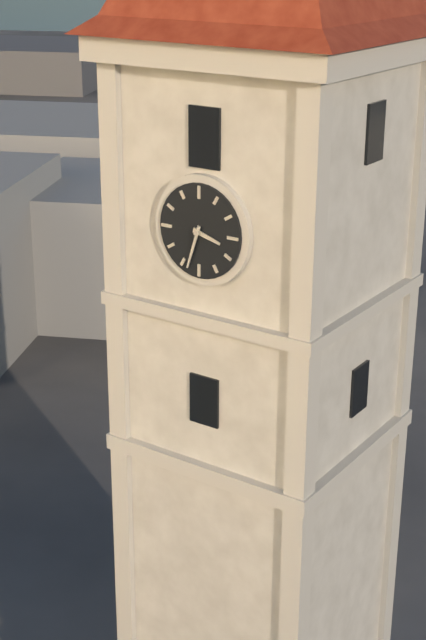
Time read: 3:33
